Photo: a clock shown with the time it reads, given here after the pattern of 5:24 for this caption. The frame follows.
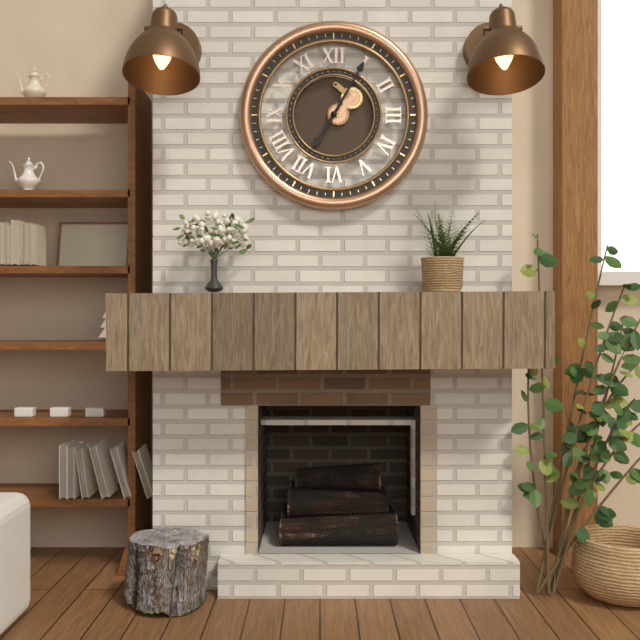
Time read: 7:05
